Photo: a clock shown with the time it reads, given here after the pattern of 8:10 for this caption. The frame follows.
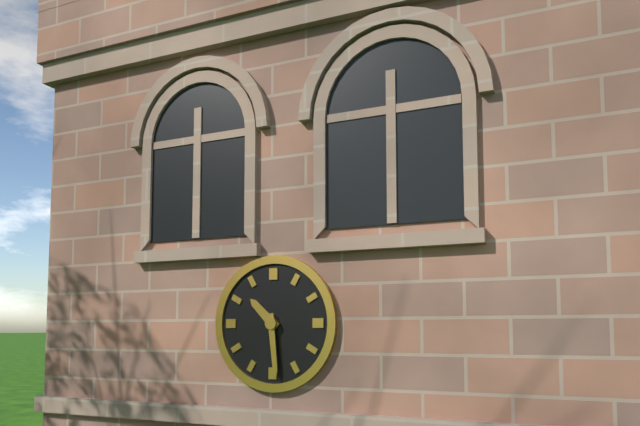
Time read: 10:29
